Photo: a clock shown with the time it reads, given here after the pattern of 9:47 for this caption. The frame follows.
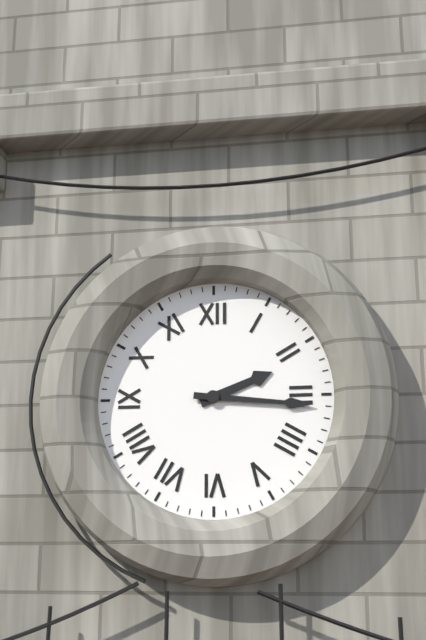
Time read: 2:16
